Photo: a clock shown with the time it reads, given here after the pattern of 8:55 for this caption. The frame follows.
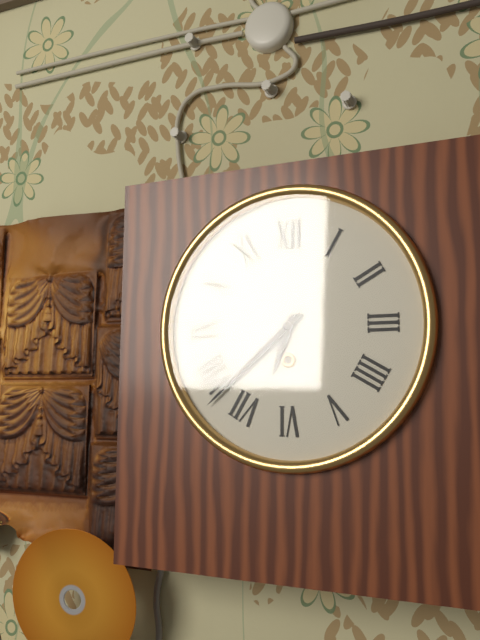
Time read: 6:38
